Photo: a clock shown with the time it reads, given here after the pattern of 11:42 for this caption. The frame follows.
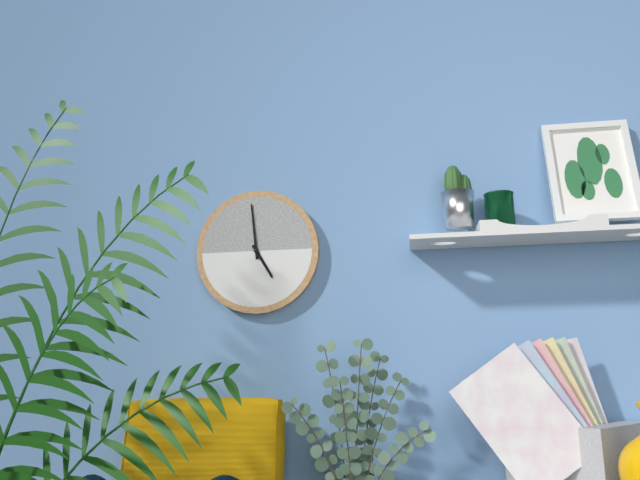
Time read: 4:59
